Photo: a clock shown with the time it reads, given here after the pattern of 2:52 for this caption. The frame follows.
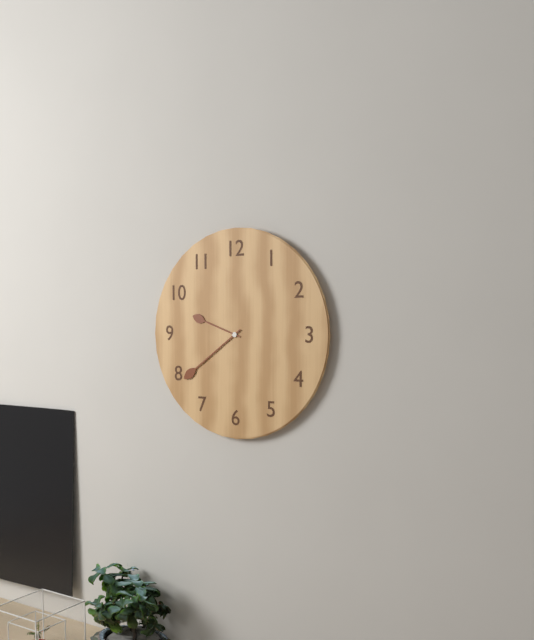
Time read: 9:39
